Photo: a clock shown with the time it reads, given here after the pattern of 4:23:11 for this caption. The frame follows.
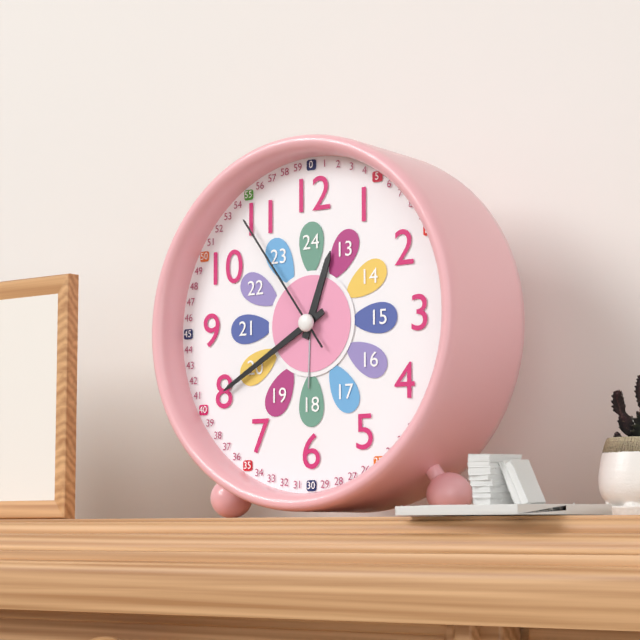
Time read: 12:40:54
